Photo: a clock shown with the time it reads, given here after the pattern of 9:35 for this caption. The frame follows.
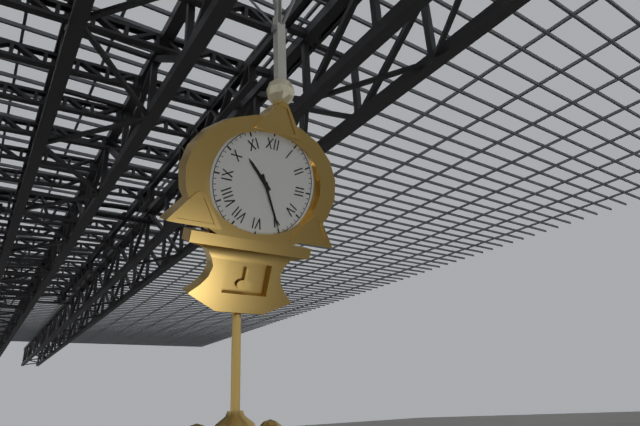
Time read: 10:25
